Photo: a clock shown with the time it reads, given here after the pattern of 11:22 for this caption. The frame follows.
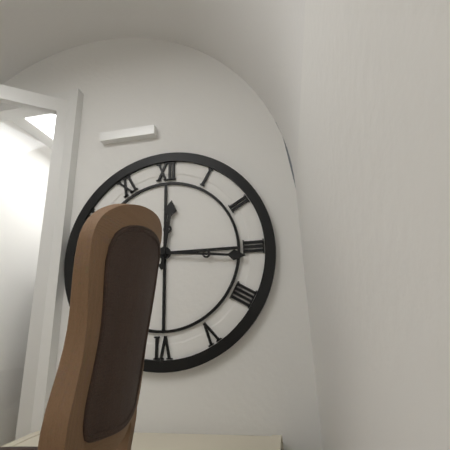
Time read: 12:16
